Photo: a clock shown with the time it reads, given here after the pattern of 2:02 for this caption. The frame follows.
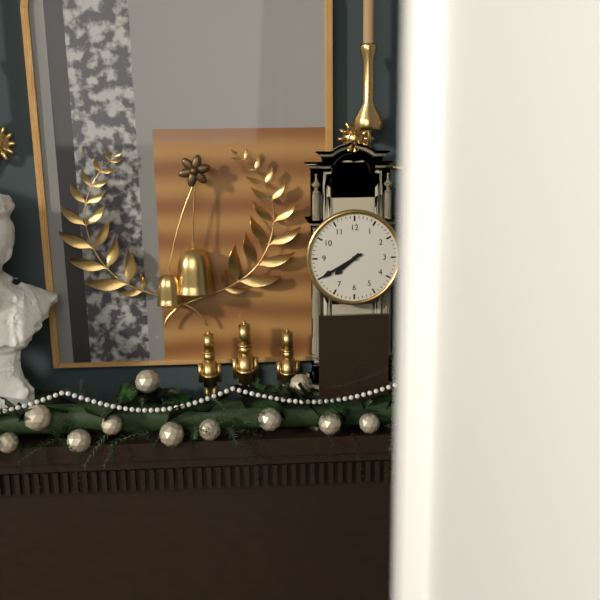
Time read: 7:40
